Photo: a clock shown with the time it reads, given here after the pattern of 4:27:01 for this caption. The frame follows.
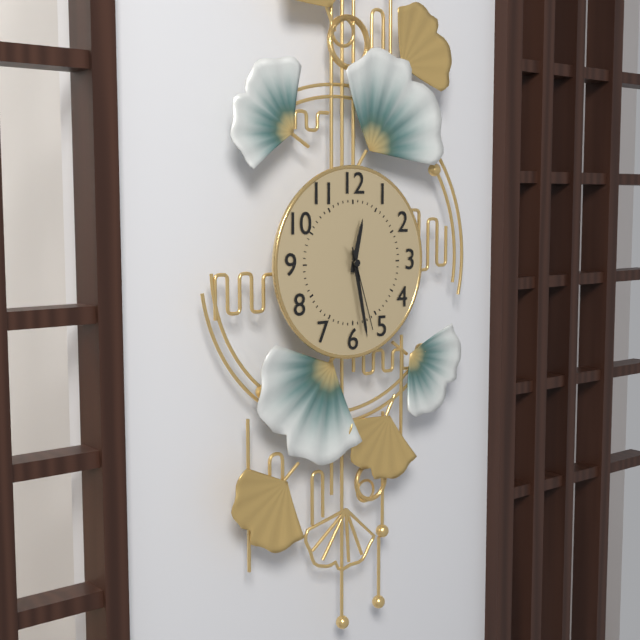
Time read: 12:28:27
